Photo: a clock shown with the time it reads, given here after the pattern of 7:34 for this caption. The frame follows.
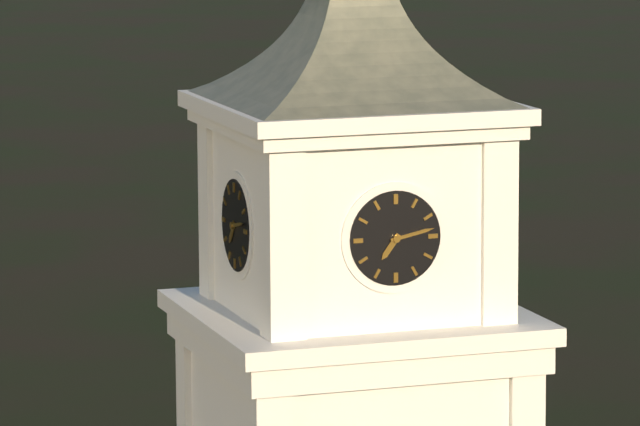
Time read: 7:13
